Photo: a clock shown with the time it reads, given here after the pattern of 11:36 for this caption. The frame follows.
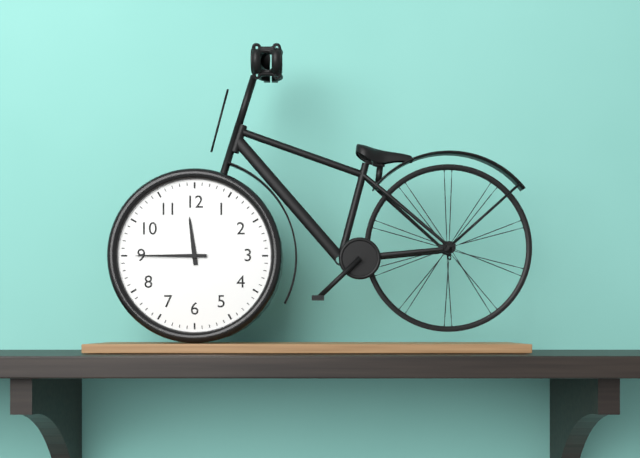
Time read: 11:45
